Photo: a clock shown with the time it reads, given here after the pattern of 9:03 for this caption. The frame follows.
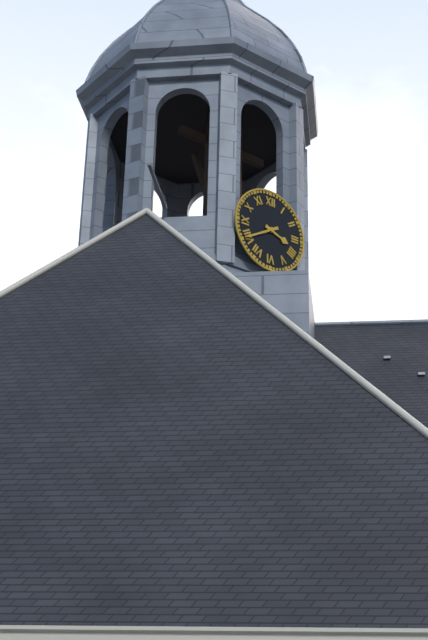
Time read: 3:40
